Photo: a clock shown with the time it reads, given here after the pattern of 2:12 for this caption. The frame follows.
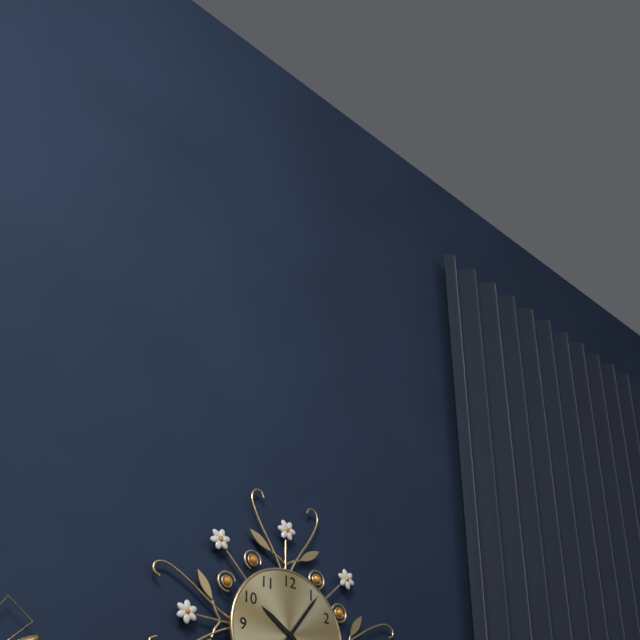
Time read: 10:06
